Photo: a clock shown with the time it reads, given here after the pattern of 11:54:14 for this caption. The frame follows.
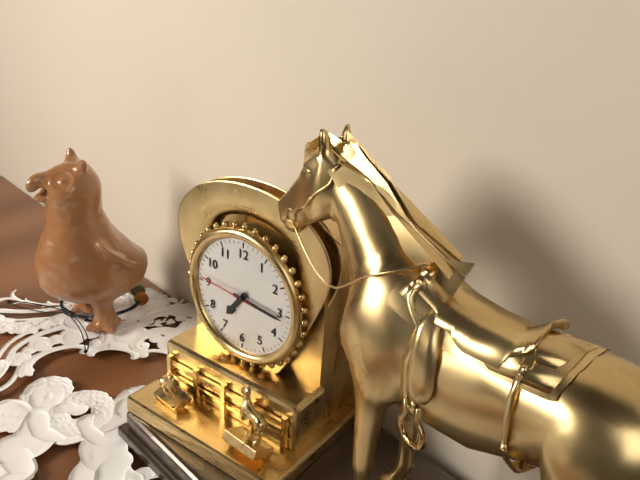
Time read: 7:16:46
